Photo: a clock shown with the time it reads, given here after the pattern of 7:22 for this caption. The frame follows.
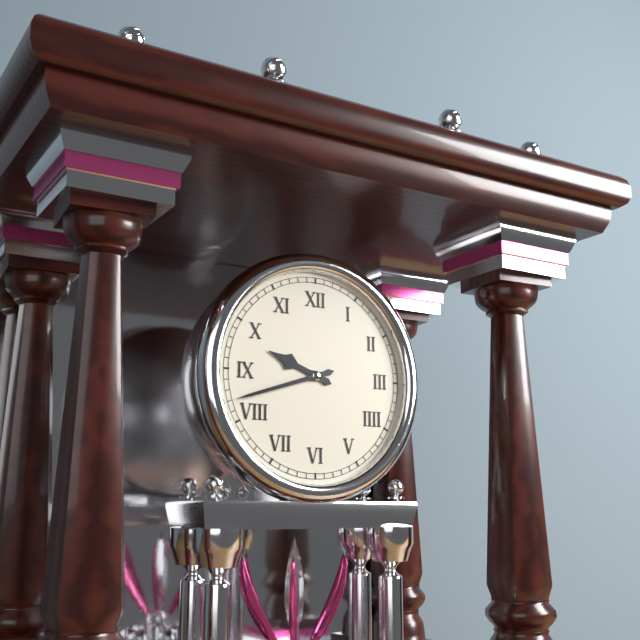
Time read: 9:42
